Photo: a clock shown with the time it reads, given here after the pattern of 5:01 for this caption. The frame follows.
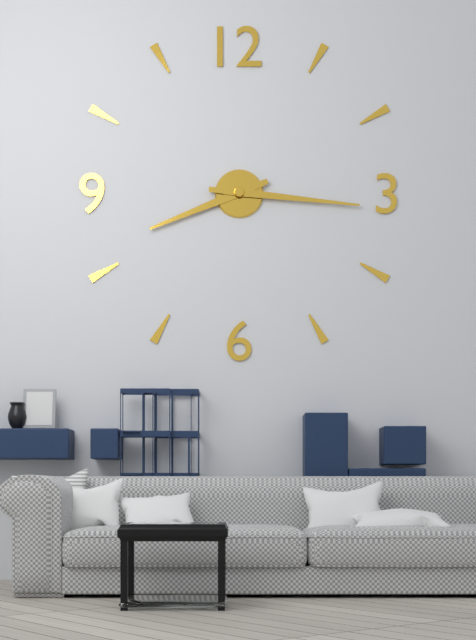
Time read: 8:16
